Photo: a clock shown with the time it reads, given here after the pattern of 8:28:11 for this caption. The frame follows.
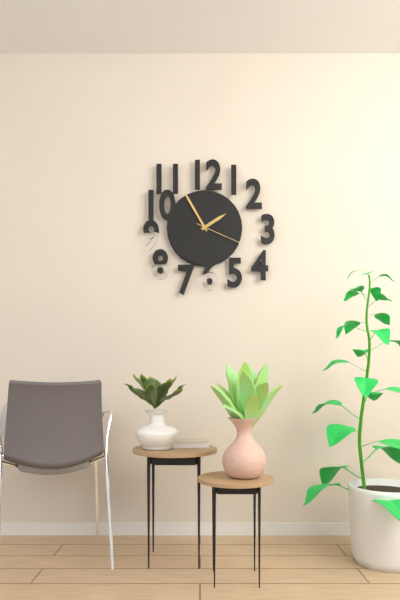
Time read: 1:55:19
